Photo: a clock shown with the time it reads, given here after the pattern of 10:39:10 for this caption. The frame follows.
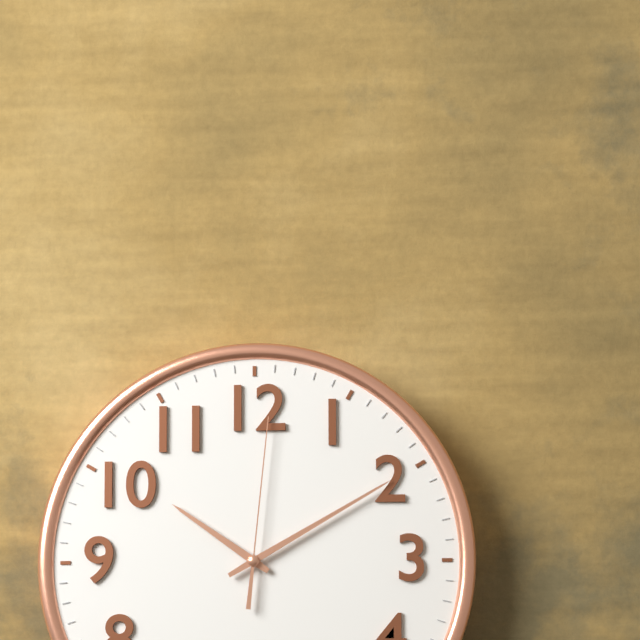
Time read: 10:10:01
